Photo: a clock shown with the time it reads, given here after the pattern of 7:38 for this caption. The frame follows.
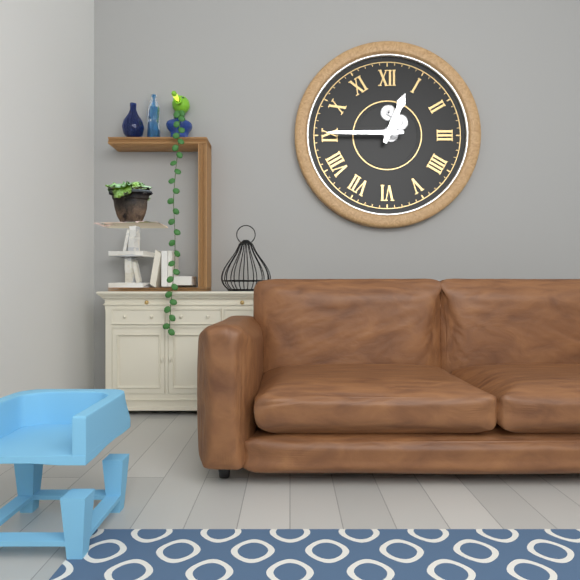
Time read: 12:45
